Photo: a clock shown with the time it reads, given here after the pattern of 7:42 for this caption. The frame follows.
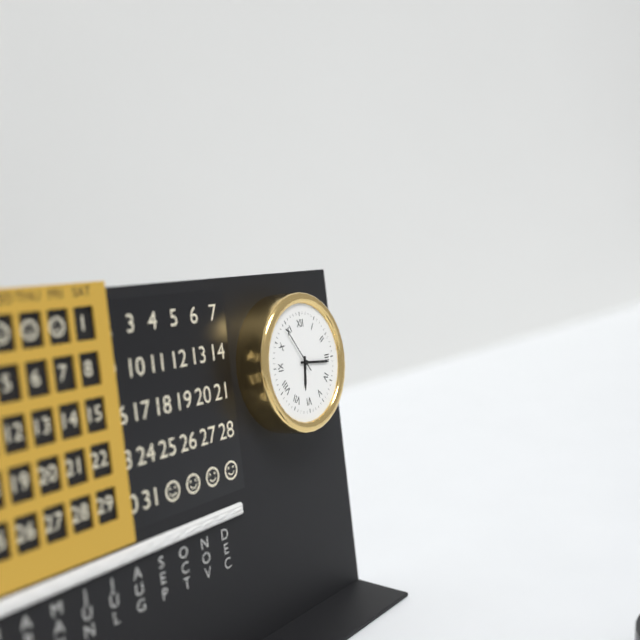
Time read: 6:16
